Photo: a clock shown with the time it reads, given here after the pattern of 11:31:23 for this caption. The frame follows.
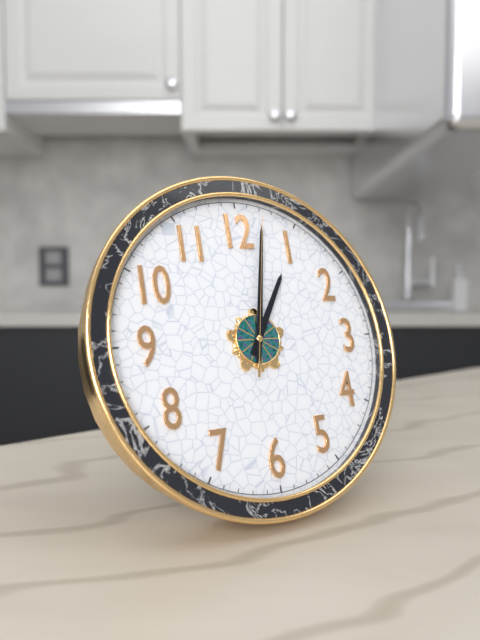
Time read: 1:02:02
